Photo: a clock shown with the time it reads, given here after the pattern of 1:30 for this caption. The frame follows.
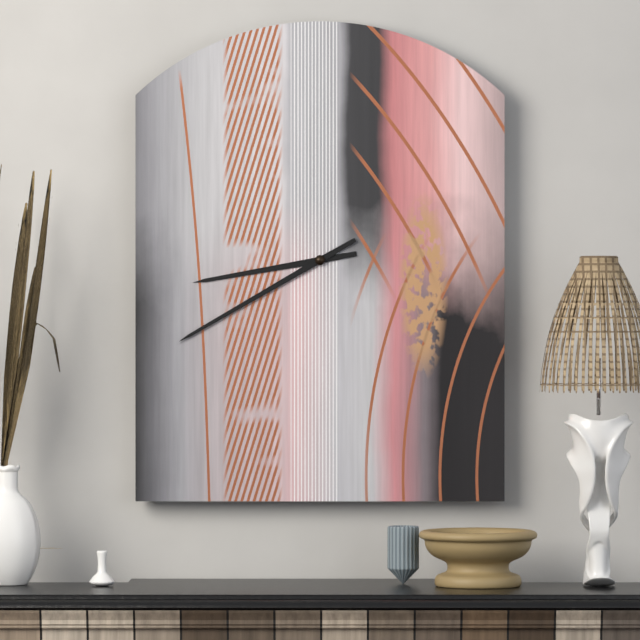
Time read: 8:40
